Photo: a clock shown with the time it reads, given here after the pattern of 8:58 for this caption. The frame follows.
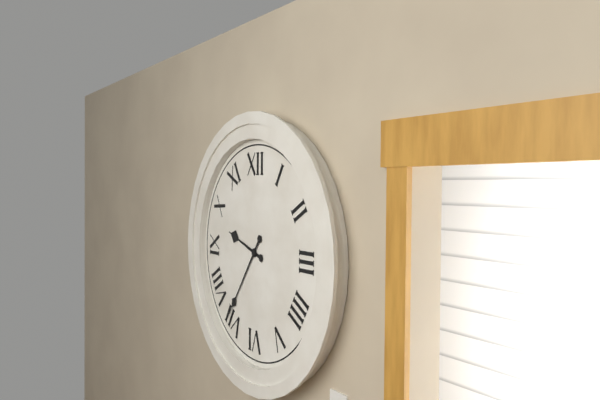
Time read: 9:36
